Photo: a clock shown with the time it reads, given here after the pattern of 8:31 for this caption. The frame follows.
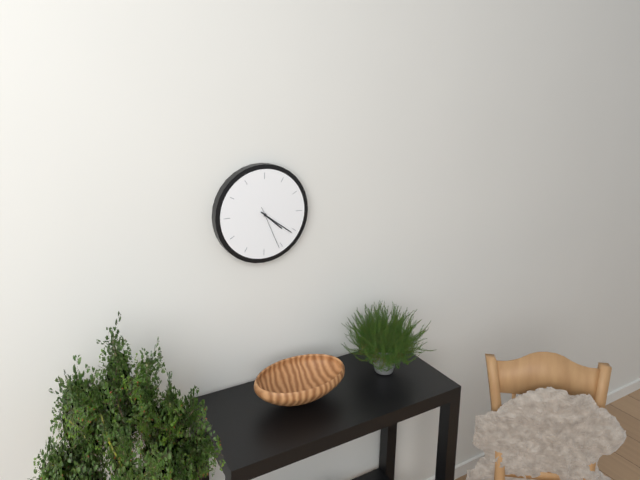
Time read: 4:21
